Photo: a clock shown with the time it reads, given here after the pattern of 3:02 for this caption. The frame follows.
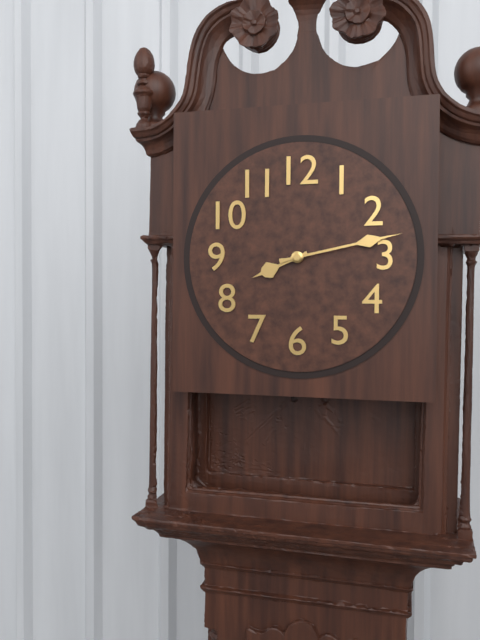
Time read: 8:13
